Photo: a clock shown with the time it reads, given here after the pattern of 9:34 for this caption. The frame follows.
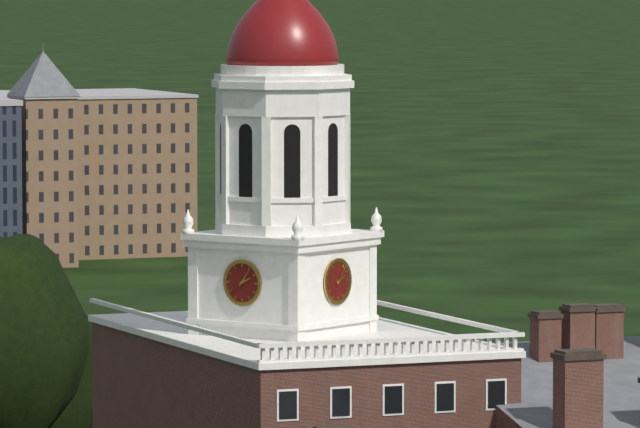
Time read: 2:06
